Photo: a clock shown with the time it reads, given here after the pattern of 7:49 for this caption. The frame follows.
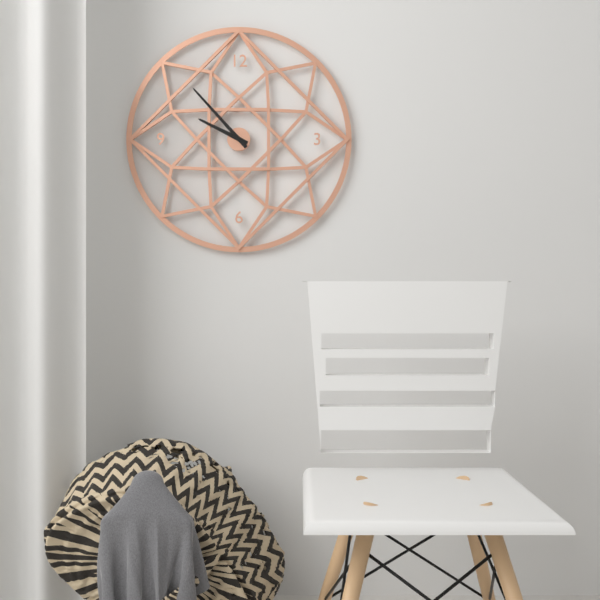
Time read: 9:53
